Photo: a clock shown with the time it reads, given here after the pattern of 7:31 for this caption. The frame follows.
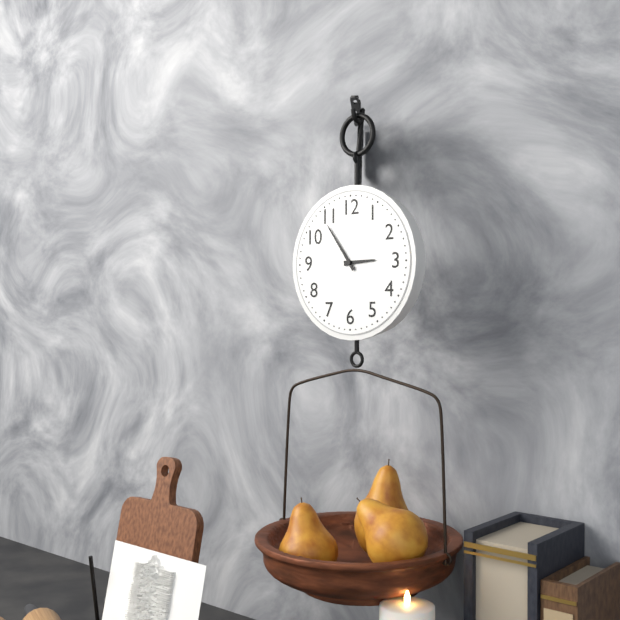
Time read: 2:54
